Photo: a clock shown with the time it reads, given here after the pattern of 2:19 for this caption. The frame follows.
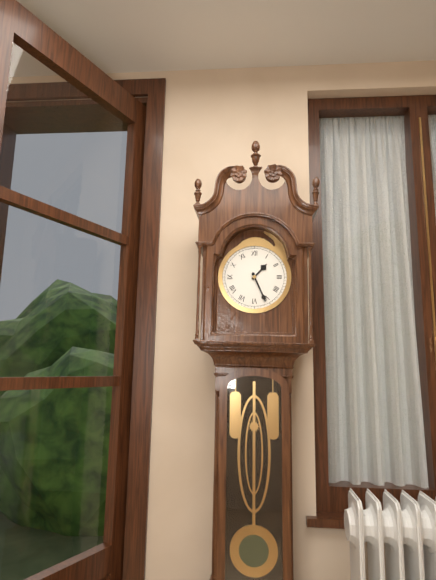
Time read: 1:26
